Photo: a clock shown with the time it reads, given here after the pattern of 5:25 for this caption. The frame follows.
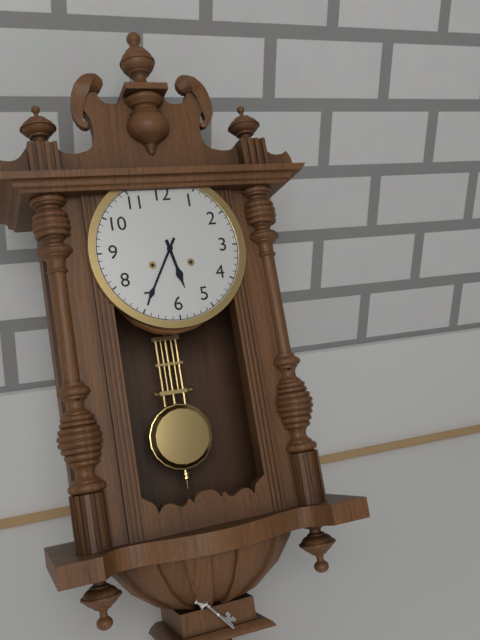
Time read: 5:35
